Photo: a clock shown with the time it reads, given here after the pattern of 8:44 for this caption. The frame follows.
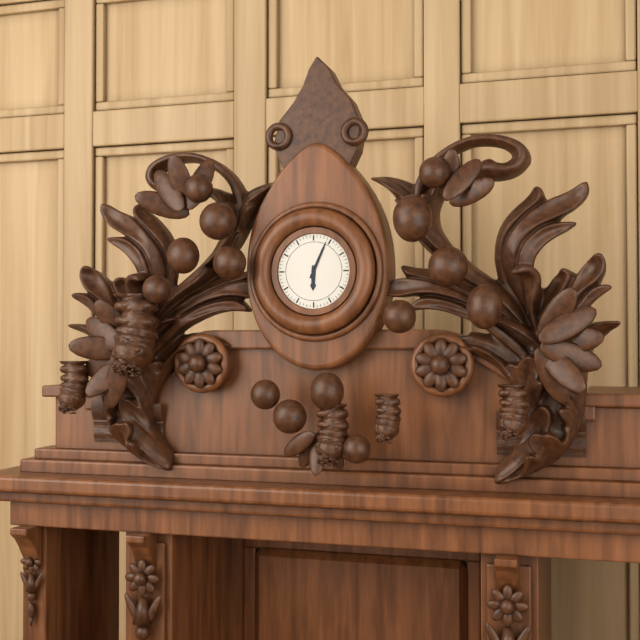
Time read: 6:04
